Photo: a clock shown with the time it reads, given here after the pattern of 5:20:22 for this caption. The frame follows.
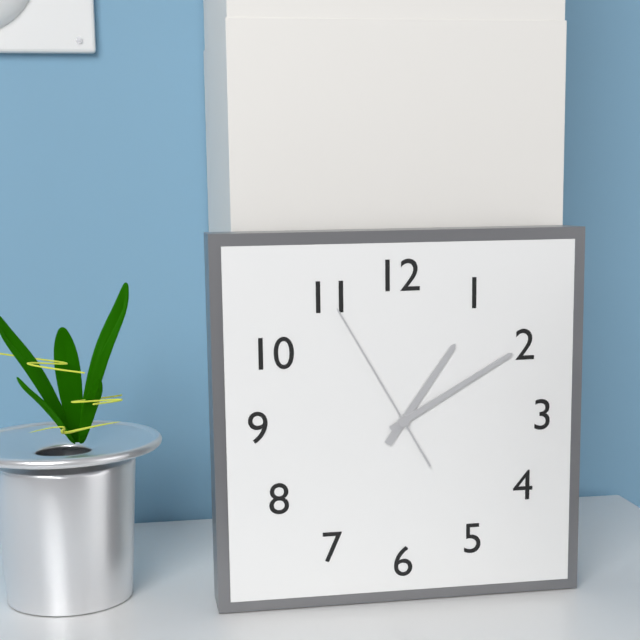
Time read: 1:10:55
